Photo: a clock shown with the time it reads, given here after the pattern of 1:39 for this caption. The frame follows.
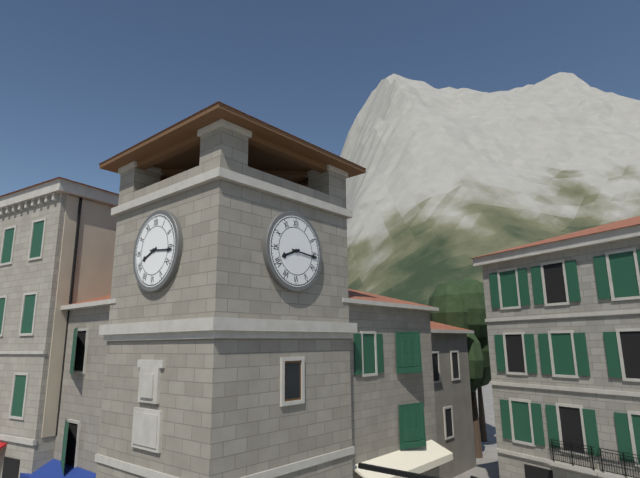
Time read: 8:16
